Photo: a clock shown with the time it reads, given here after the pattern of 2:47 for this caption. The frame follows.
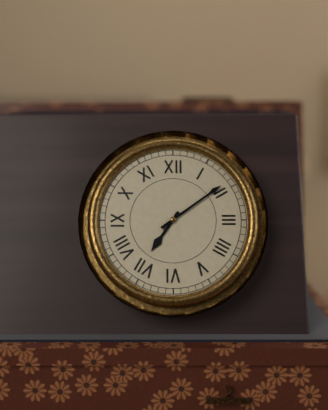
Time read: 7:09
